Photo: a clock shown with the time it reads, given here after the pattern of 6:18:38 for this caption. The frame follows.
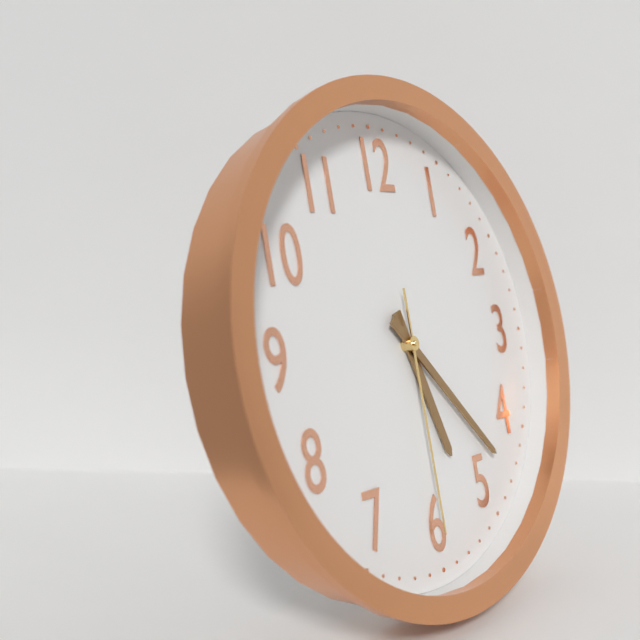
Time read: 5:23:30
